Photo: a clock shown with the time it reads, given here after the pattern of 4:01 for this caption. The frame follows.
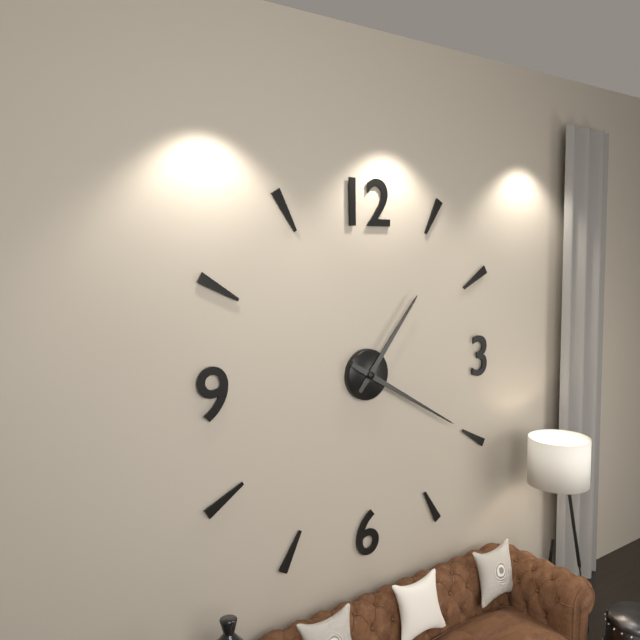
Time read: 1:20
